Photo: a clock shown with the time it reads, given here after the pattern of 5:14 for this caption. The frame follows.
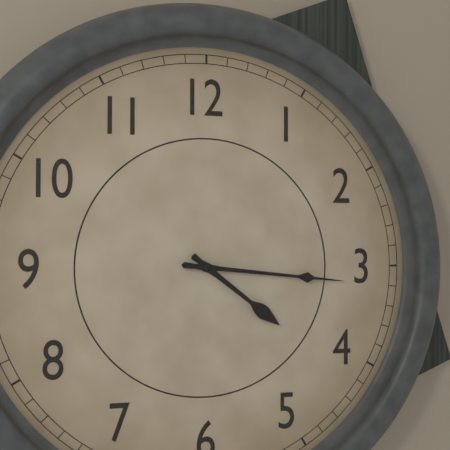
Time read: 4:16
